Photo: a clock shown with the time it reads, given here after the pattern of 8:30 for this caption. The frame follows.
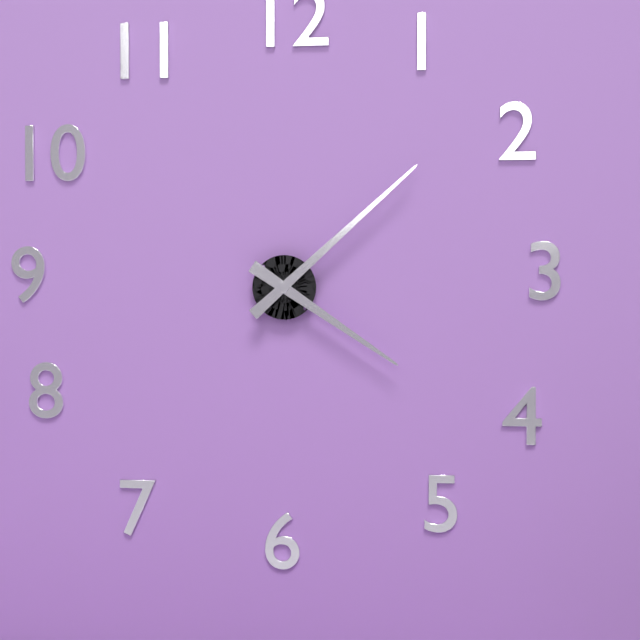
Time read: 4:08
